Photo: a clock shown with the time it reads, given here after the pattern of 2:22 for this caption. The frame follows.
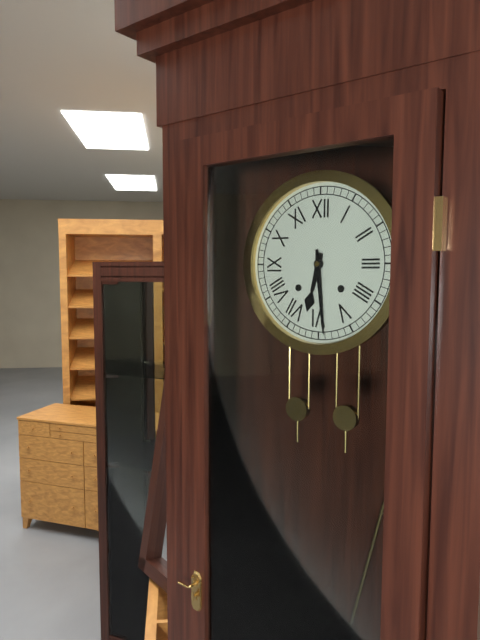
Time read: 6:29
